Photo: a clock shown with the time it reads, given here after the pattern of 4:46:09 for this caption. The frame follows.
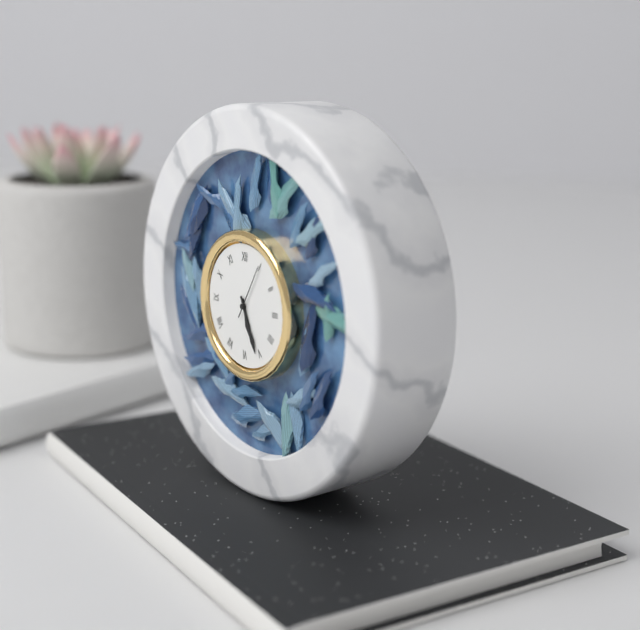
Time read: 5:26:05
